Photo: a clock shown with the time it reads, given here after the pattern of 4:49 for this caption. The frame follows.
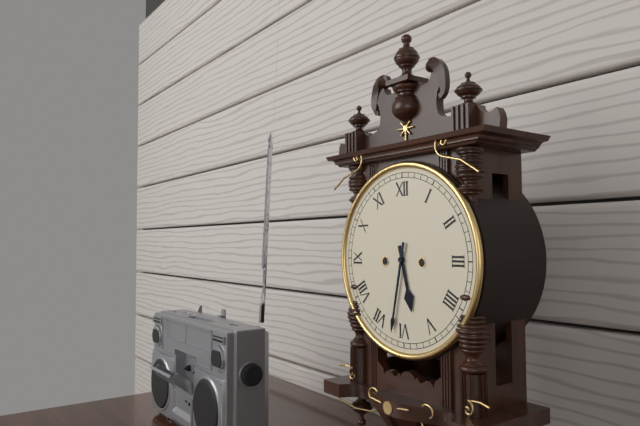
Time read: 5:32
